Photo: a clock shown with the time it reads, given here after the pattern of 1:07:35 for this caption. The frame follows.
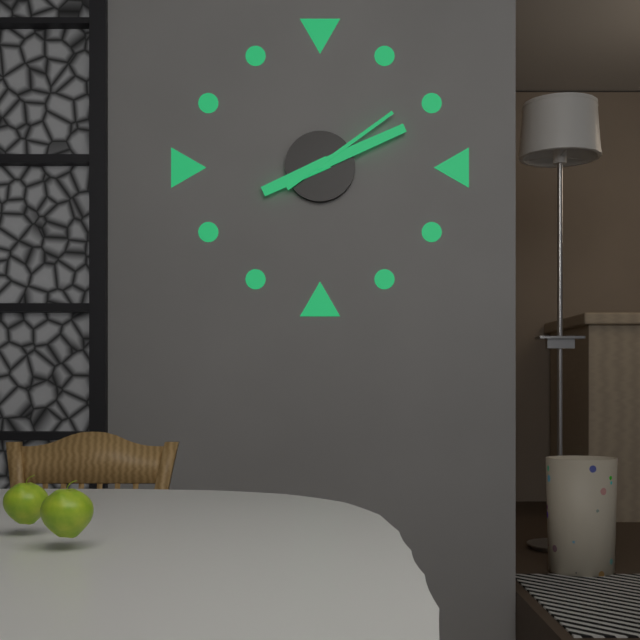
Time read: 8:11:09
